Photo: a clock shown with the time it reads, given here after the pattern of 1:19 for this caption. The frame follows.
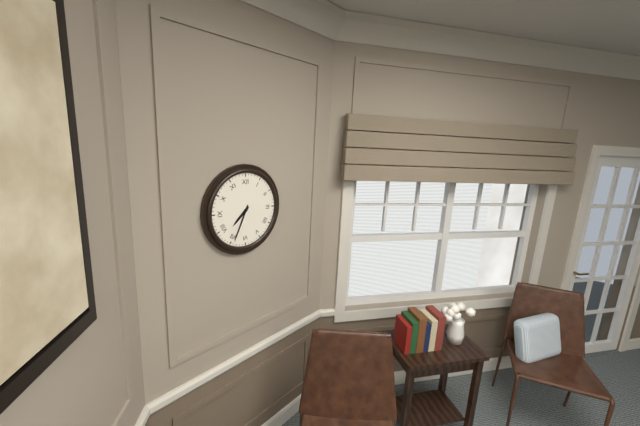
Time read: 7:34
